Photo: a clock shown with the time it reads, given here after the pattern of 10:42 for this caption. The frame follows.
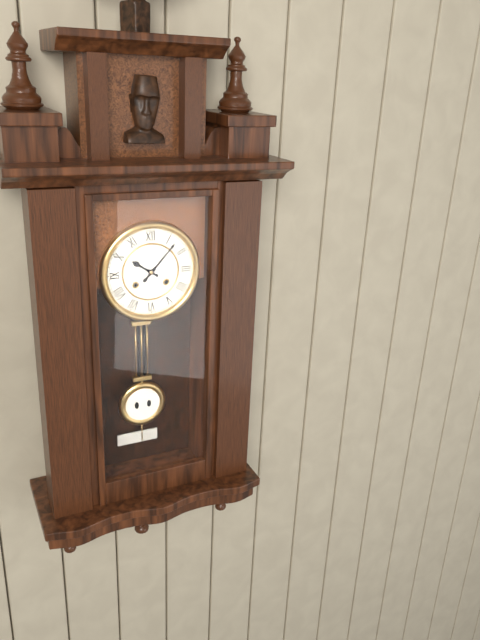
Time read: 10:07
